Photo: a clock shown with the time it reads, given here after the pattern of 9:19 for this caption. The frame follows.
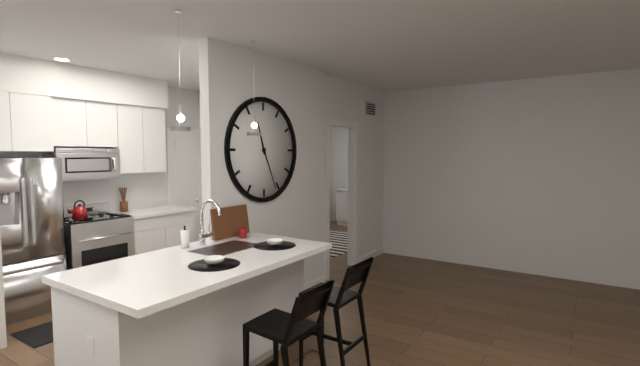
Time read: 11:26
